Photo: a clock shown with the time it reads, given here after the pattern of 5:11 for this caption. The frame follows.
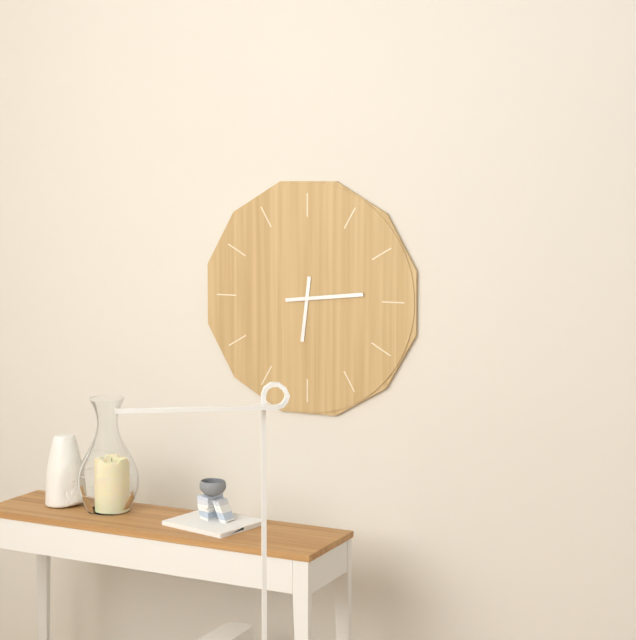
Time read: 6:14
